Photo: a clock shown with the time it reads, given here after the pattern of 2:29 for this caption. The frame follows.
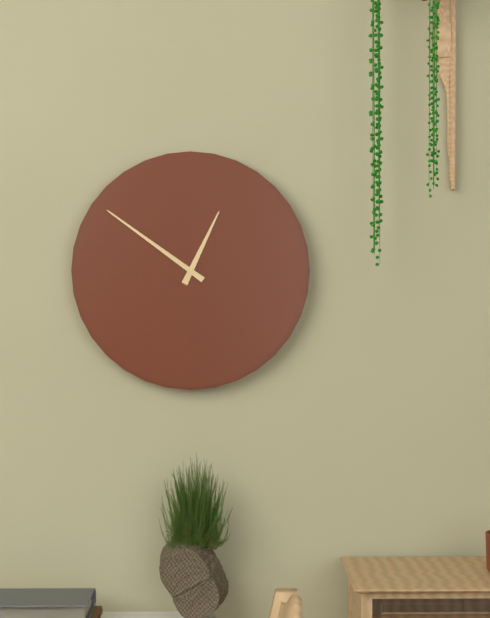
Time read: 12:51
